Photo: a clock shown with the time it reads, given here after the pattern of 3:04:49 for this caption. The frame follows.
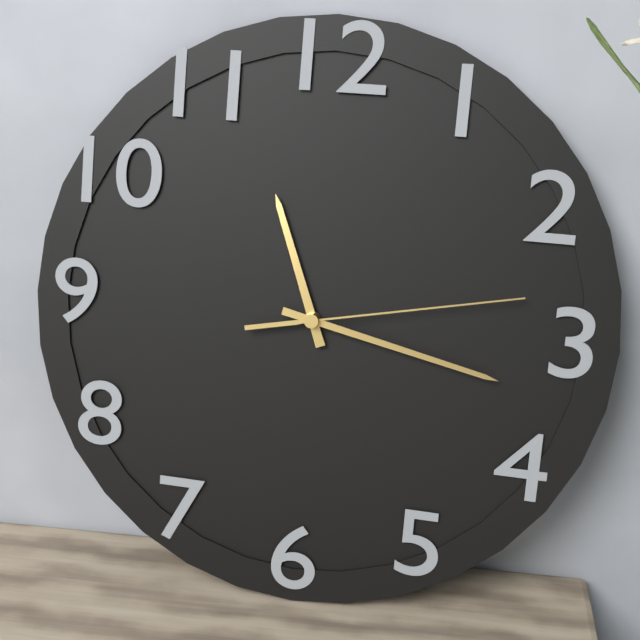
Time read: 11:17:13
